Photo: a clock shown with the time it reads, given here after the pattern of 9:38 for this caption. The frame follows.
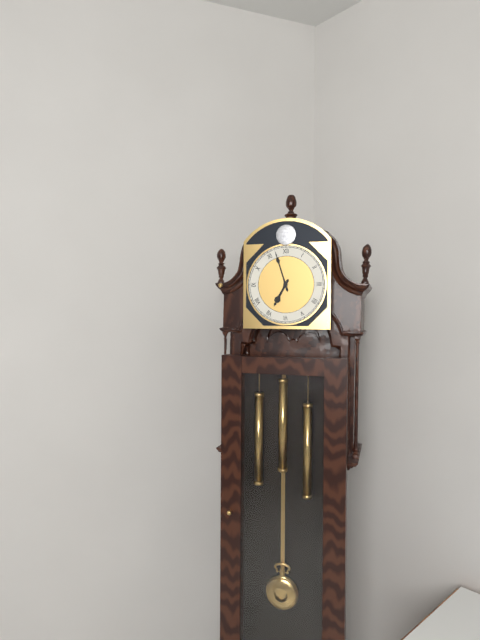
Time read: 6:57
